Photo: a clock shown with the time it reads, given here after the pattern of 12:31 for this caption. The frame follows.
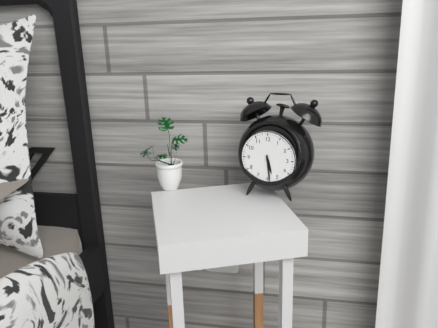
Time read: 5:29
